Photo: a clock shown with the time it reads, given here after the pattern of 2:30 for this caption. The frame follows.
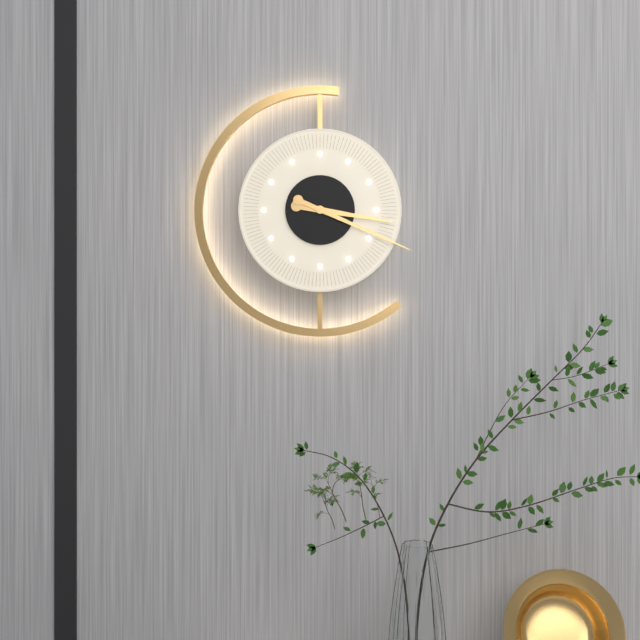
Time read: 3:19
